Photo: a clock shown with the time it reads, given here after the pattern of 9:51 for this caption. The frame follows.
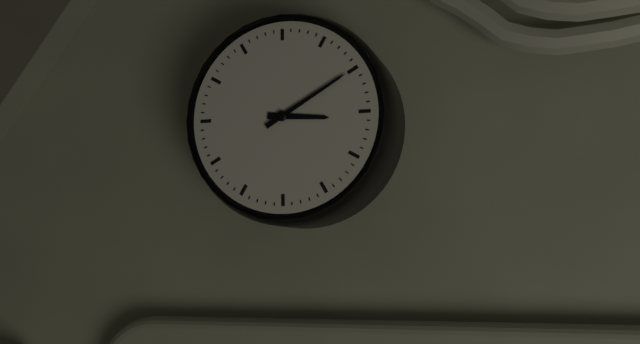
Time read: 3:10
